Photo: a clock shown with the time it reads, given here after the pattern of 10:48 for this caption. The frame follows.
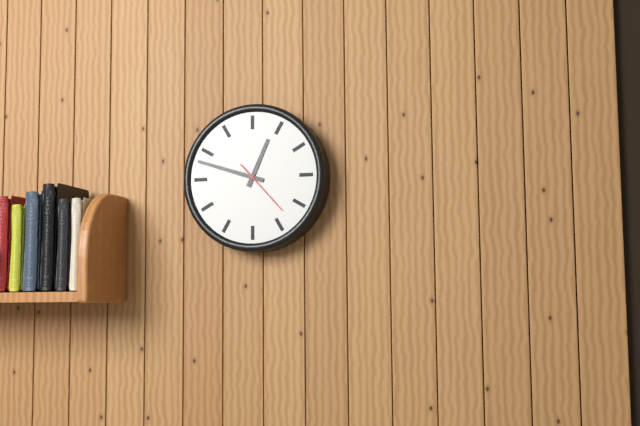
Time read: 12:48
